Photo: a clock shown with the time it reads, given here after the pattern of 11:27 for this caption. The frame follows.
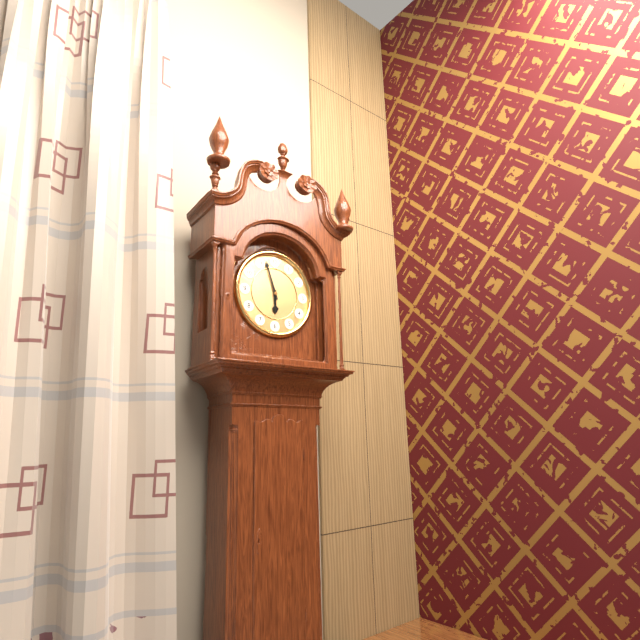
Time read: 5:57
